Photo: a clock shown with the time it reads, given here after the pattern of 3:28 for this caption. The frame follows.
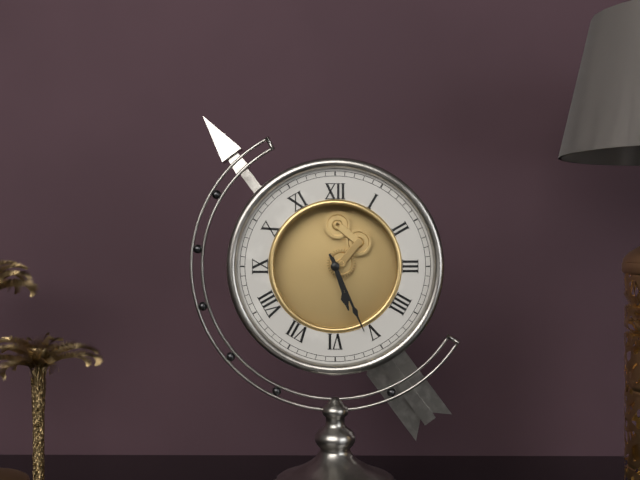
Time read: 5:26
